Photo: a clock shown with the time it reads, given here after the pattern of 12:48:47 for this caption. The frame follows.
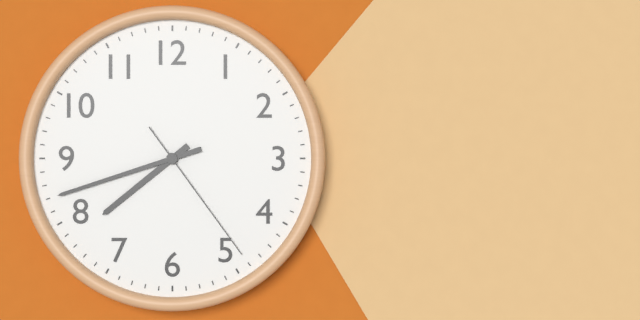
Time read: 7:42:24
